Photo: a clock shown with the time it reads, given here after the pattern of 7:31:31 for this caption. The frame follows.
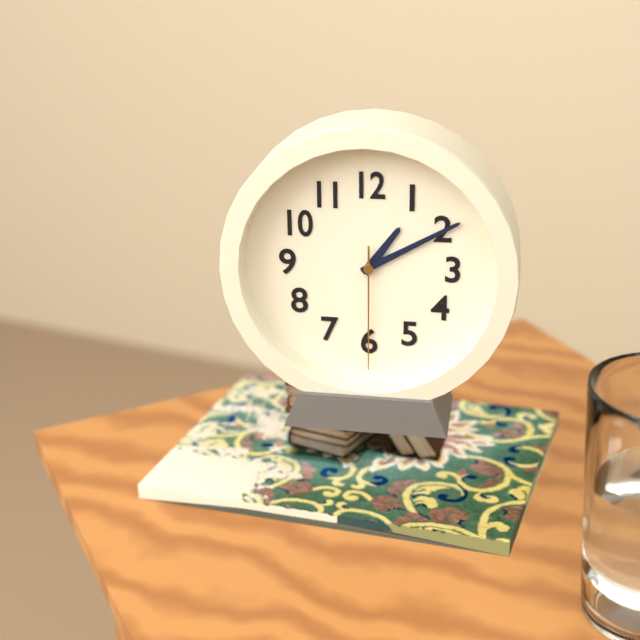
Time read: 1:10:30
